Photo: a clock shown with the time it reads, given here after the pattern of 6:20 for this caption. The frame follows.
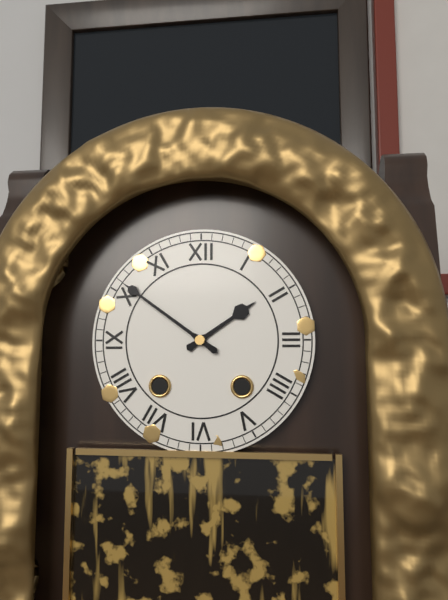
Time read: 1:51
